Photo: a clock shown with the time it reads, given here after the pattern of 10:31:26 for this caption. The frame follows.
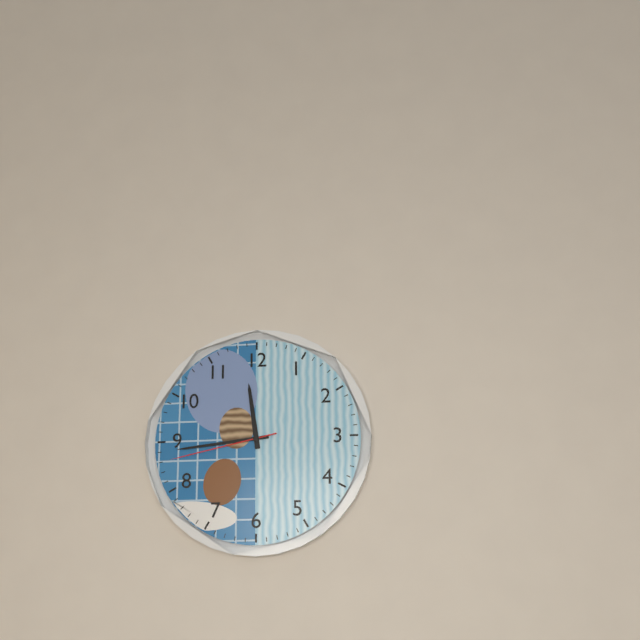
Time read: 11:44:43
